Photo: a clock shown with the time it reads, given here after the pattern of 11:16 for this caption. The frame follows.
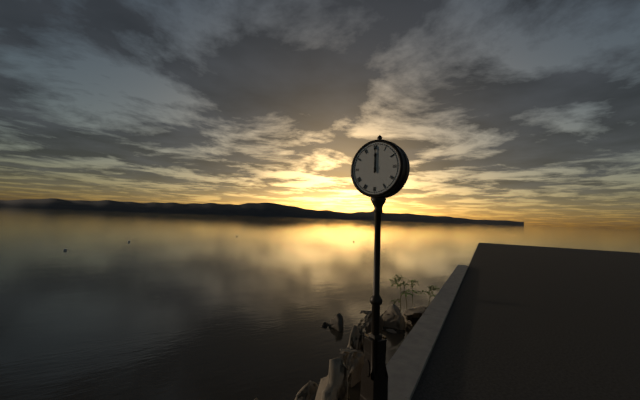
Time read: 12:00
